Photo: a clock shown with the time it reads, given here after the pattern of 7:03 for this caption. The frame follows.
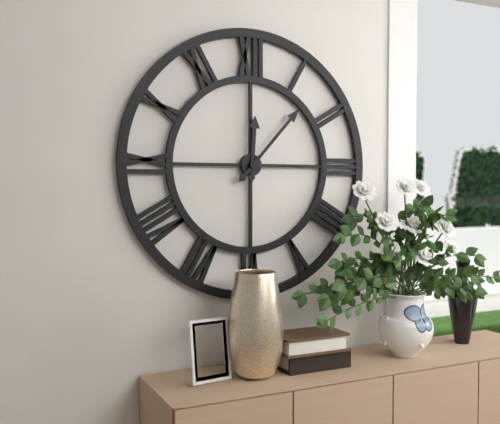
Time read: 12:07
